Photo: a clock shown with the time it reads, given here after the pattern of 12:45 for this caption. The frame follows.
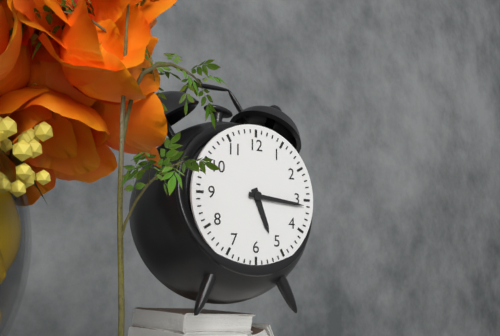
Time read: 5:16
